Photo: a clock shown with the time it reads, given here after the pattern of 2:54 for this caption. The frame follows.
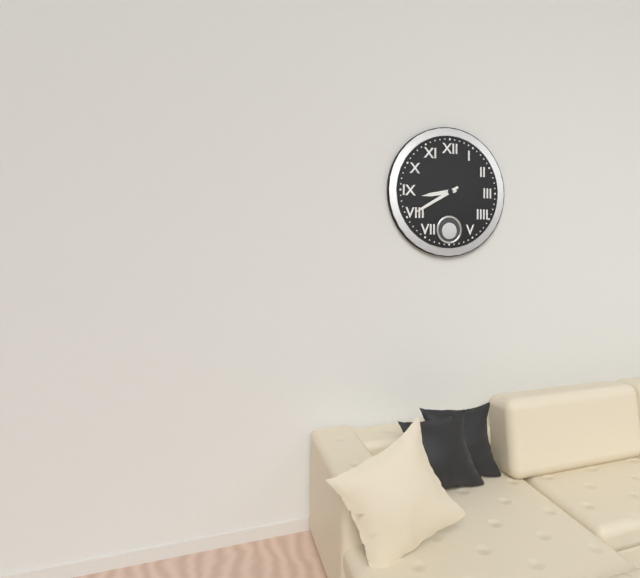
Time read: 8:40
